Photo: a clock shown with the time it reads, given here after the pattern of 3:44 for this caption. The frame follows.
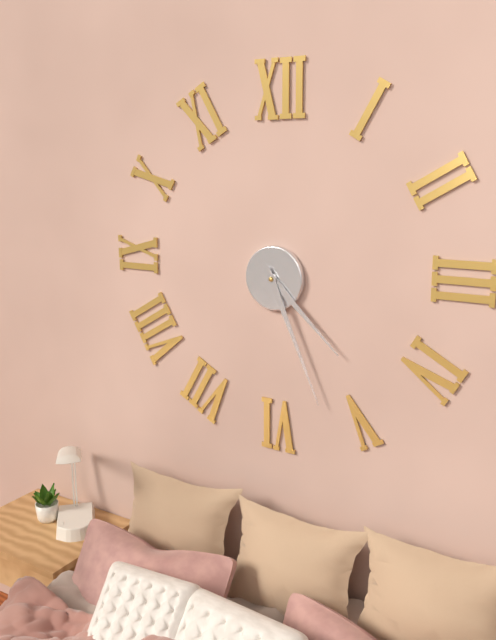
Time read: 4:26
